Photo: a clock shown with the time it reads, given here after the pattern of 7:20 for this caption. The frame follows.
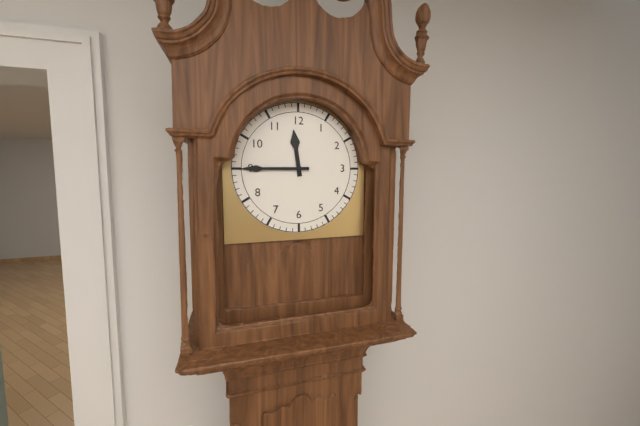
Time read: 11:45
